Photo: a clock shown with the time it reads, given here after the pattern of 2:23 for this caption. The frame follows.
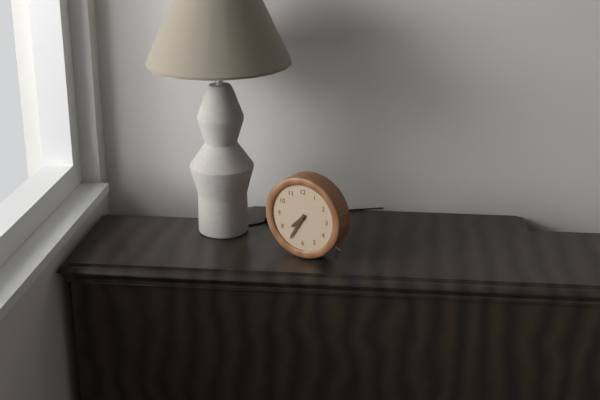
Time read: 7:35
